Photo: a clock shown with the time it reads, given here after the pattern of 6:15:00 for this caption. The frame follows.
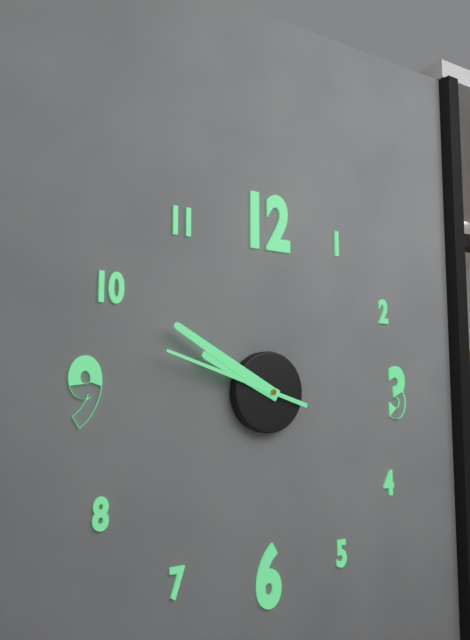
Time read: 9:50:48
